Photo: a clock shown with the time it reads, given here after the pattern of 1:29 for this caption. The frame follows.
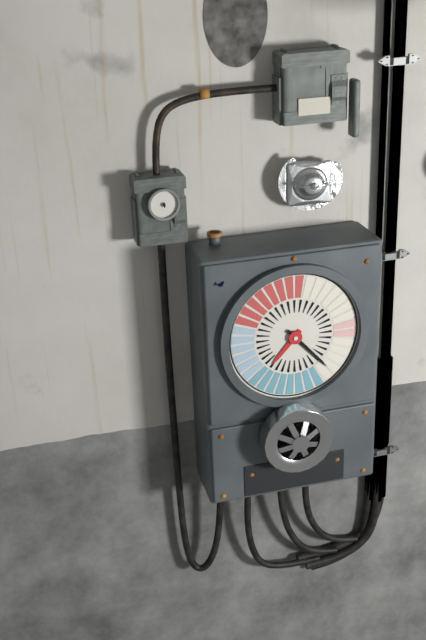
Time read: 7:23
